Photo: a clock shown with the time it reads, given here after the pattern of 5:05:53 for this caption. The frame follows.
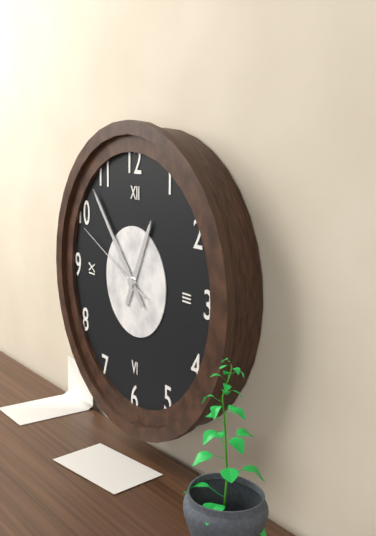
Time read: 12:53:49
